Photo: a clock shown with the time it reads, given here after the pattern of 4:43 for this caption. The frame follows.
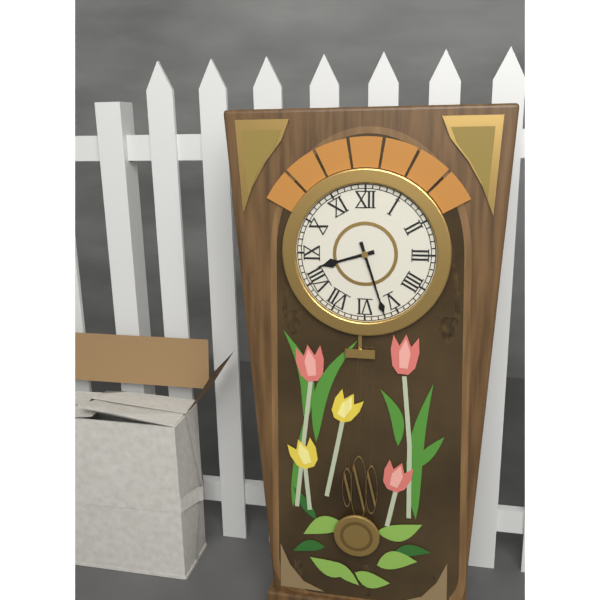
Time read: 8:27
